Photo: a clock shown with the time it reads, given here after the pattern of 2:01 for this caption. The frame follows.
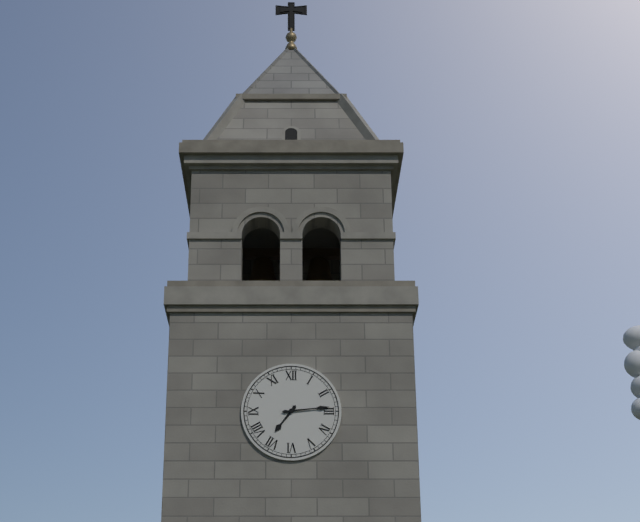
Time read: 7:14
